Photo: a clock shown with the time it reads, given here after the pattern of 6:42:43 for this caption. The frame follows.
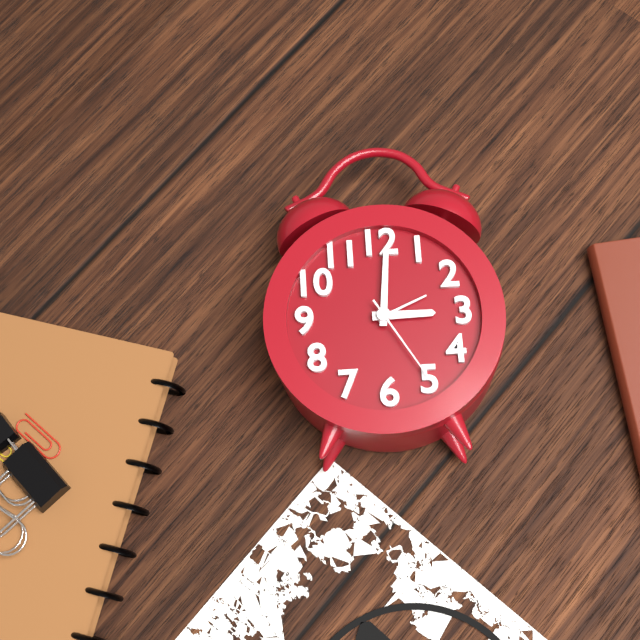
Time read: 3:01:25
